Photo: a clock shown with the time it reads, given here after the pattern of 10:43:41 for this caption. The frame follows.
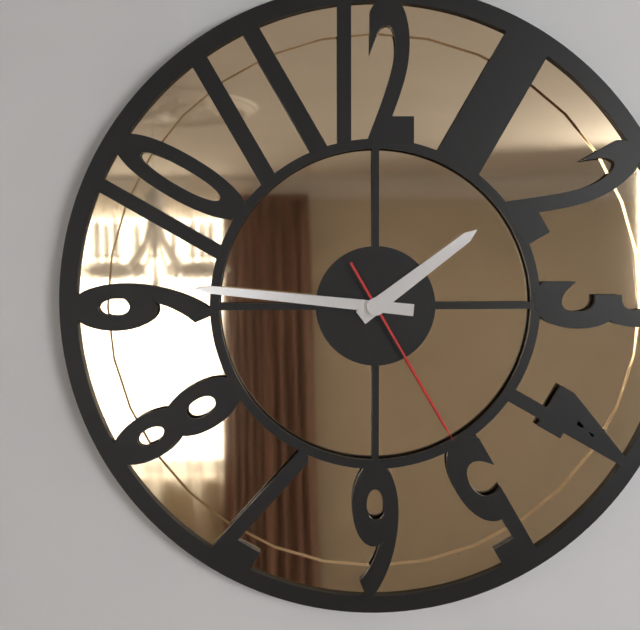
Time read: 1:46:25
